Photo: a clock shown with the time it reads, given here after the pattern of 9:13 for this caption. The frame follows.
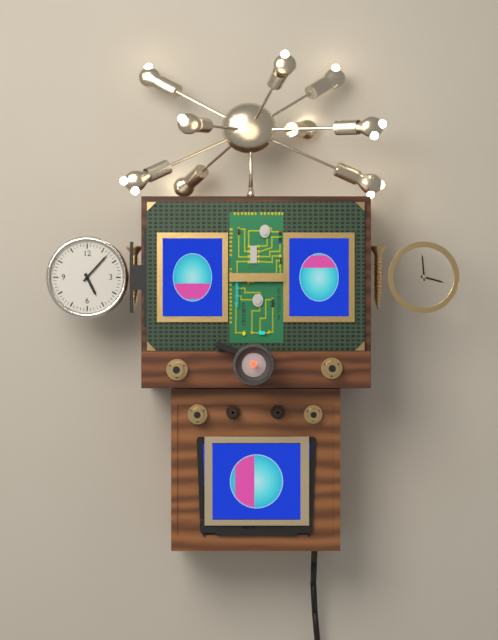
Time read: 5:07
